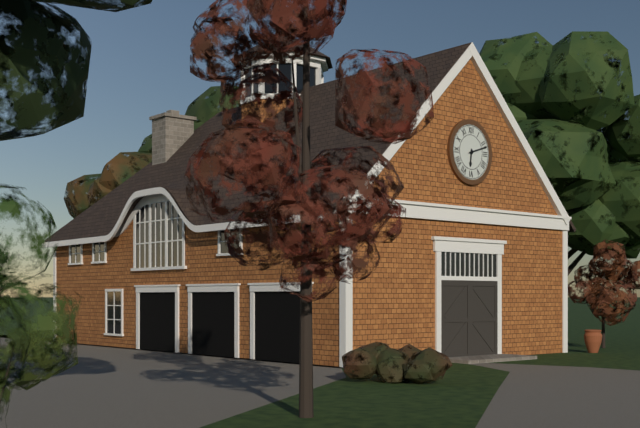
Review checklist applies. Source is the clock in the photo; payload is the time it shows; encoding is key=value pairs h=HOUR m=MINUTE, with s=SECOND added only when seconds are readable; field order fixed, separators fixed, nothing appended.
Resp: h=6 m=12
